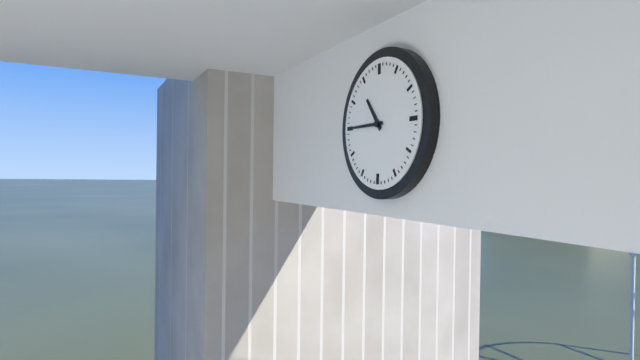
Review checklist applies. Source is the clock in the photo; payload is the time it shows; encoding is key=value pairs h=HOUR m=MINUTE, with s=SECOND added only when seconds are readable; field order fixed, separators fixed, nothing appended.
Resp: h=10 m=45
